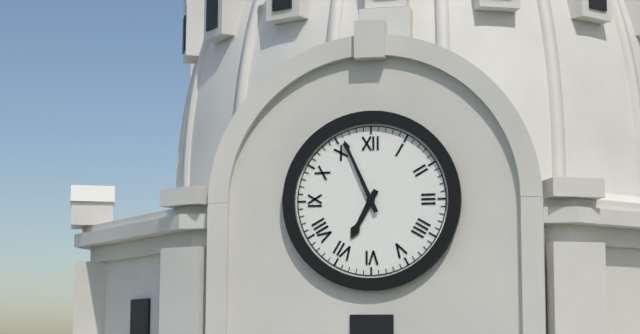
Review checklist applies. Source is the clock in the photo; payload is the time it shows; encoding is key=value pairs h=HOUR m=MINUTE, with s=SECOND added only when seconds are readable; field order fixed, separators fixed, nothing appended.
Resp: h=6 m=56
